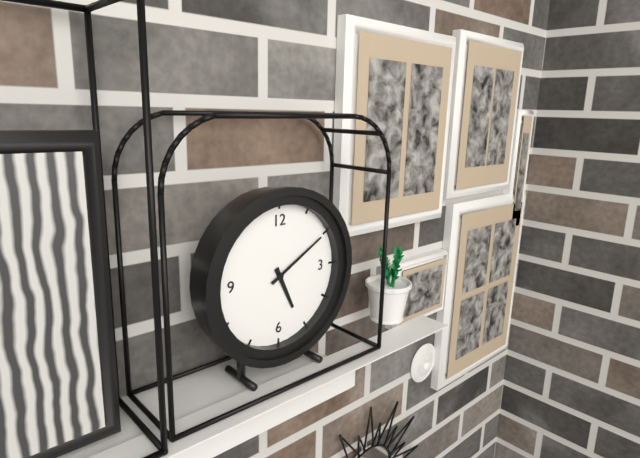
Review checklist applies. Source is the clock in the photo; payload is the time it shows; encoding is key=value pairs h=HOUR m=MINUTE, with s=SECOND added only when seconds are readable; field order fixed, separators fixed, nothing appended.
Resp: h=5 m=10
